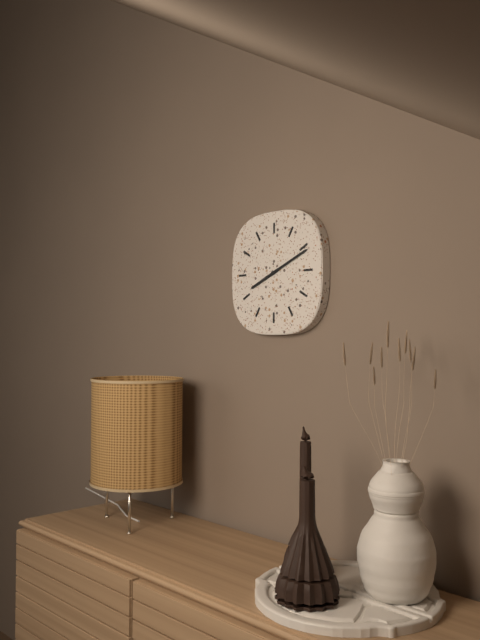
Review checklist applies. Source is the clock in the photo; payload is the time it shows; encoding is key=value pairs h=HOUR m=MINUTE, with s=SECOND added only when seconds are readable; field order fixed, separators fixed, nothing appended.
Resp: h=8 m=11
